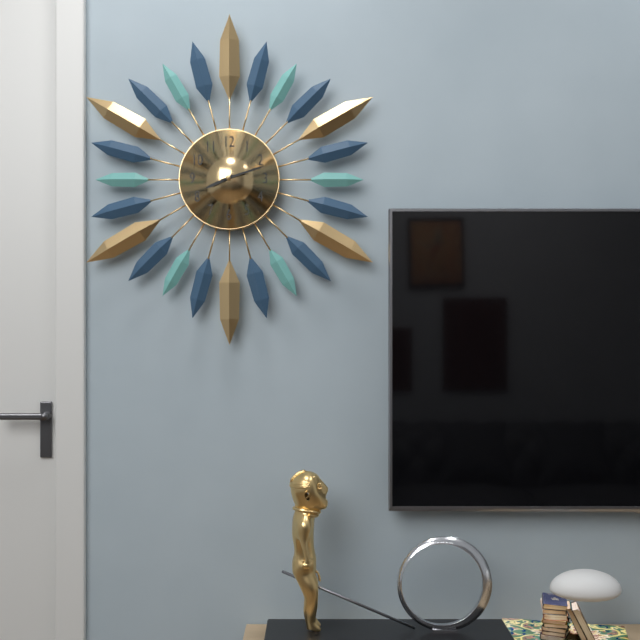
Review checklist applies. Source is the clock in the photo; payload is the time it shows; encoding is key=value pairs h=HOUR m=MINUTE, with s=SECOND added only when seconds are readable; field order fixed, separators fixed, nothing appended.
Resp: h=8 m=12
